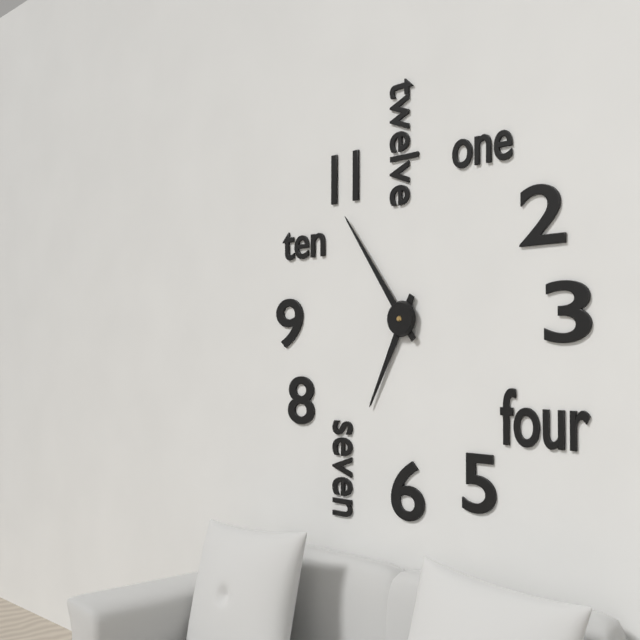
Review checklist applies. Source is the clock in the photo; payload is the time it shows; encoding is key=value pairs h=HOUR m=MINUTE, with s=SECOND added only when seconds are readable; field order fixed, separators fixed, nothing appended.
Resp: h=6 m=54
